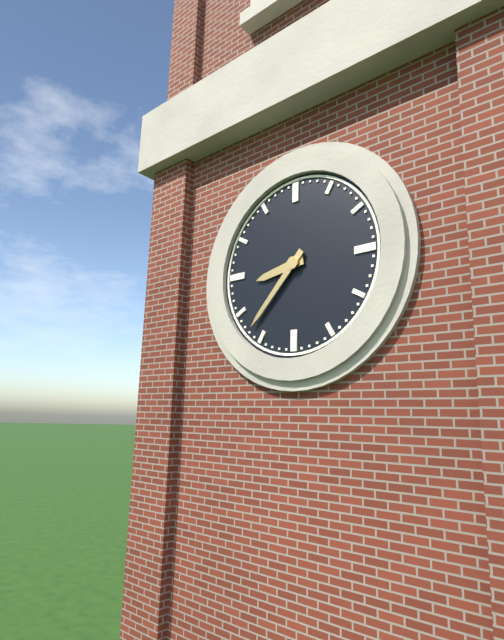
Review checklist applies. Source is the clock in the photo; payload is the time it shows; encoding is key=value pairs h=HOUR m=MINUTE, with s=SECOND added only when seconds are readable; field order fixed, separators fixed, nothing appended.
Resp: h=8 m=37
